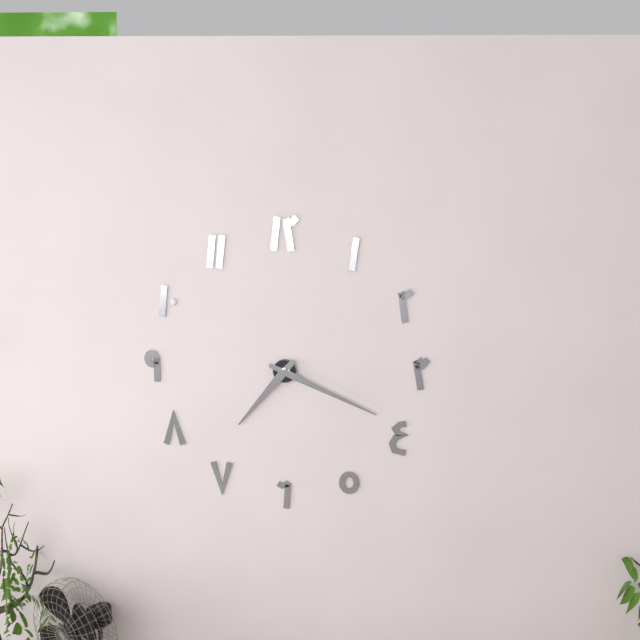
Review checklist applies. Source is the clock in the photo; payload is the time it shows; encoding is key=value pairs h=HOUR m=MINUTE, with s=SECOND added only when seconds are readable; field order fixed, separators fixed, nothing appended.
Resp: h=7 m=19
